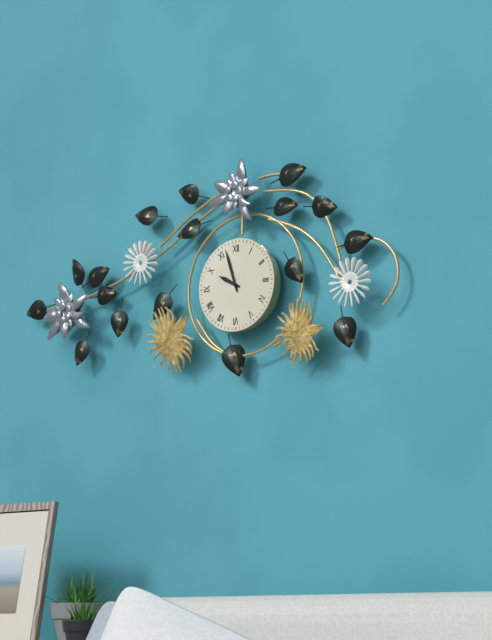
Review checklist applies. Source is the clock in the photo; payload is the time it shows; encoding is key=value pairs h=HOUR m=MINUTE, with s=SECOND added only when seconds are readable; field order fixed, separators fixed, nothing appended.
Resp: h=9 m=57
